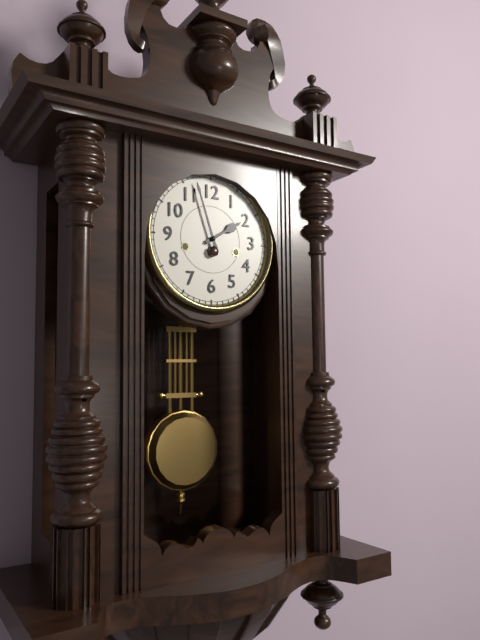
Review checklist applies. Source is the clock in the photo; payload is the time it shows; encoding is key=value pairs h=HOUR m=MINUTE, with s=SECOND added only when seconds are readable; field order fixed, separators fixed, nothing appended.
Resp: h=1 m=57
